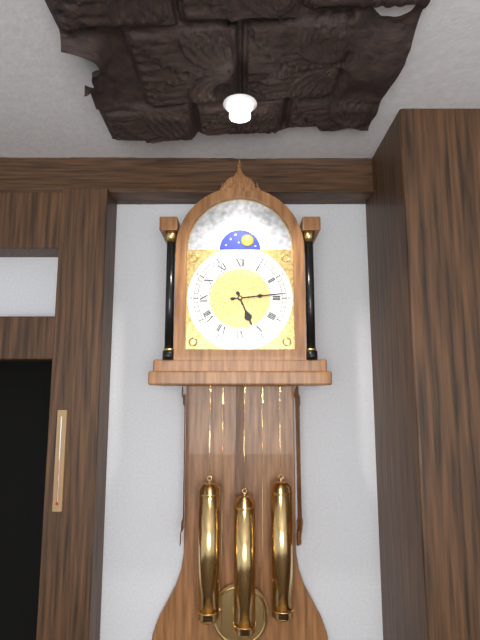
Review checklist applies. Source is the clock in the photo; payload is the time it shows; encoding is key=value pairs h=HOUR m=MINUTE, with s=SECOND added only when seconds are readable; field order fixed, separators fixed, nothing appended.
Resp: h=5 m=14
